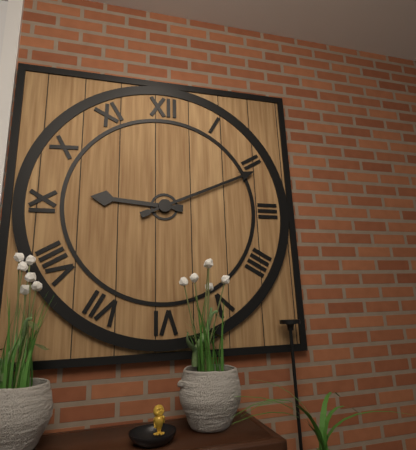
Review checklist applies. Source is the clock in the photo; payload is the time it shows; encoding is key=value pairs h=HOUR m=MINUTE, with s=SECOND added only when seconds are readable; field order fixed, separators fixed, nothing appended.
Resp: h=9 m=11
